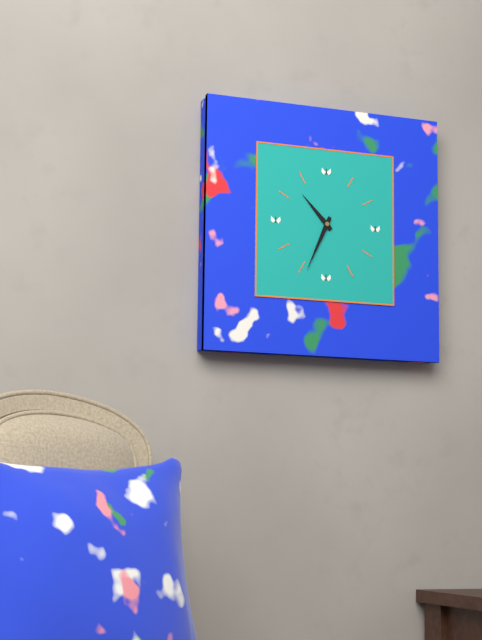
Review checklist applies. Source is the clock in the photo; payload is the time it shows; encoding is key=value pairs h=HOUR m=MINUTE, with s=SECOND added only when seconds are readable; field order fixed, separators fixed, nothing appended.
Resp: h=10 m=34
